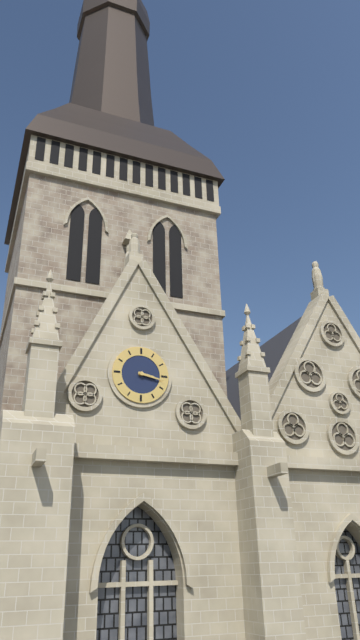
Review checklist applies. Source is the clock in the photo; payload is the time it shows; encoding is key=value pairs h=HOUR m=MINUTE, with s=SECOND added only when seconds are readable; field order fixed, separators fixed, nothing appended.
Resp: h=3 m=17
